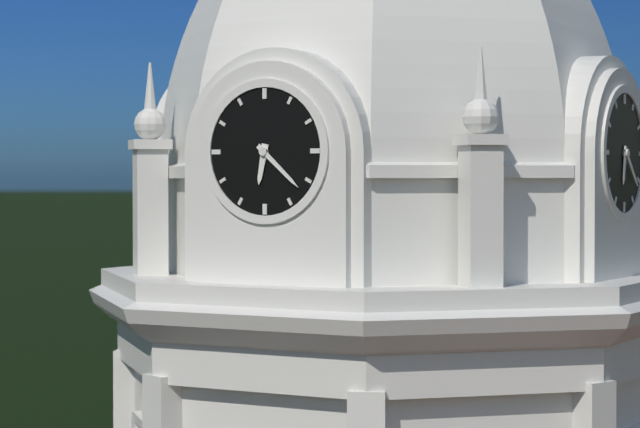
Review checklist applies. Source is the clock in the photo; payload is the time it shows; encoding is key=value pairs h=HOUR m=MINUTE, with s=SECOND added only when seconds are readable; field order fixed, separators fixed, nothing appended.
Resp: h=6 m=22
